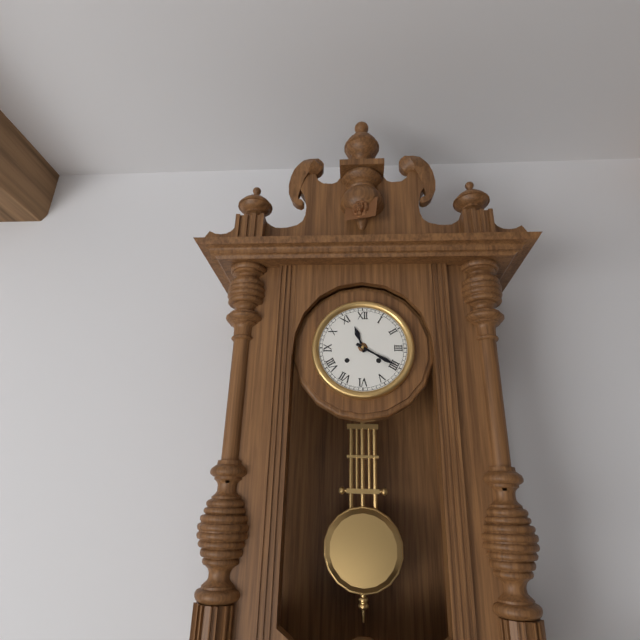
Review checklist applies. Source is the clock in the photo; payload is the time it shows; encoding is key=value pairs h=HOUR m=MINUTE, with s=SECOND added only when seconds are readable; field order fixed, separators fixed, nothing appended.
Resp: h=11 m=20
